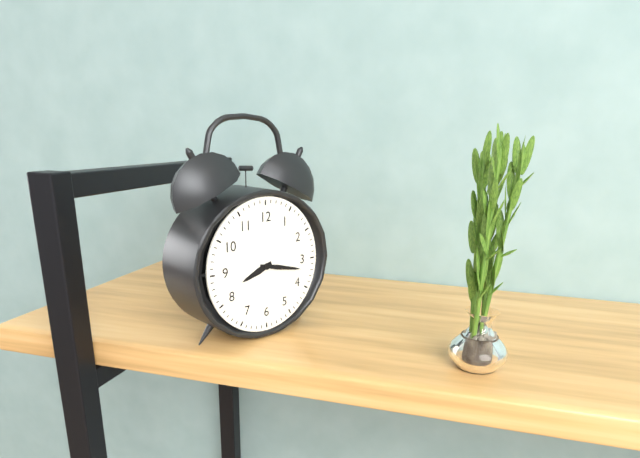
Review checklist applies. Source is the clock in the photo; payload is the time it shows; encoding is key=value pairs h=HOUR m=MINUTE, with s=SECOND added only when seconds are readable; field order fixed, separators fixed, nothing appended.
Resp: h=8 m=17
